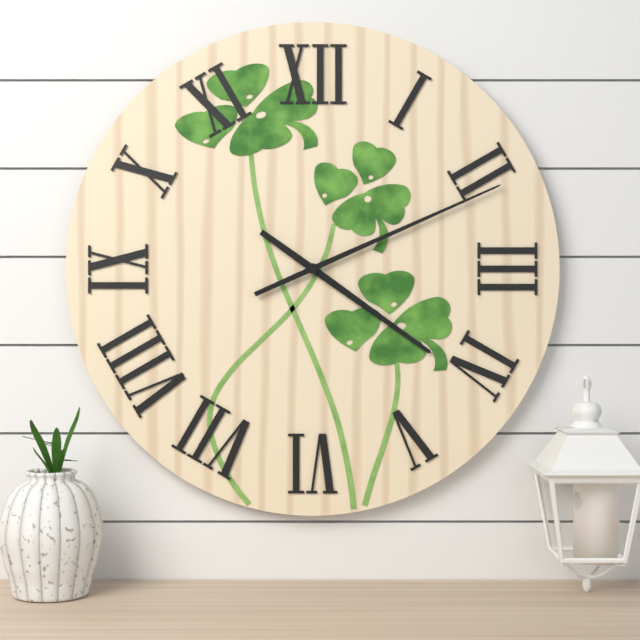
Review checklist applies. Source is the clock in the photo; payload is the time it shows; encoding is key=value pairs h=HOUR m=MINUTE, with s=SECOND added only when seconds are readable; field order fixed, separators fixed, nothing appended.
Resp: h=4 m=11
